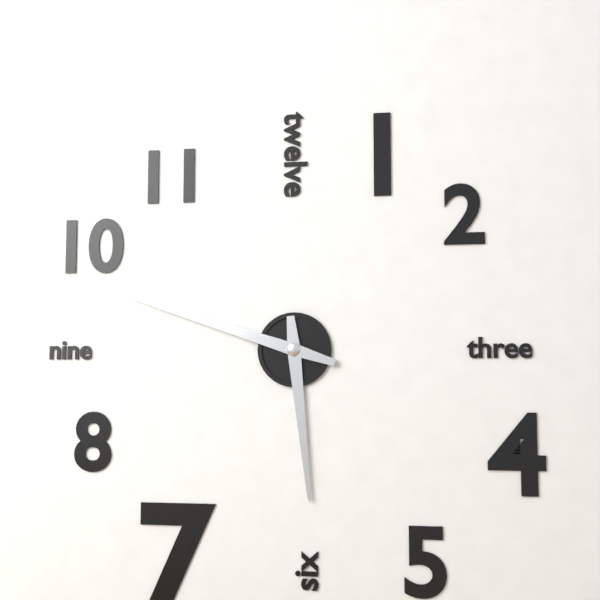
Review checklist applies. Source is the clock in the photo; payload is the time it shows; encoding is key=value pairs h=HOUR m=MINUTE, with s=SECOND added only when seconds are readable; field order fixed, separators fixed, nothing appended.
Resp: h=5 m=48
